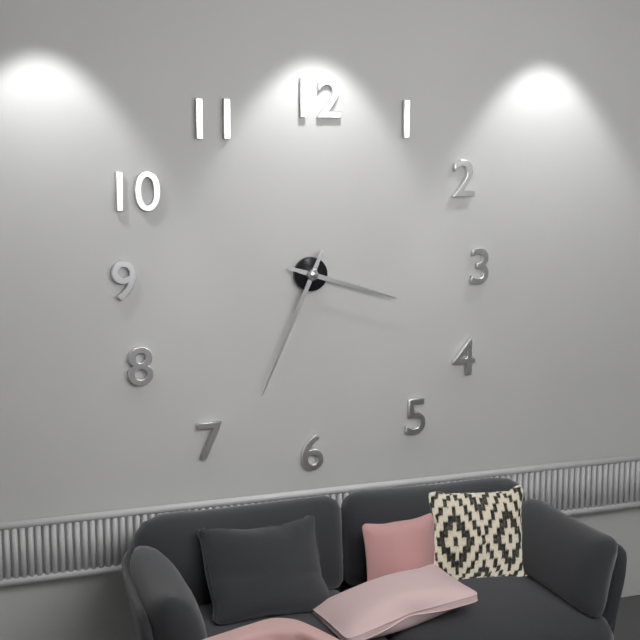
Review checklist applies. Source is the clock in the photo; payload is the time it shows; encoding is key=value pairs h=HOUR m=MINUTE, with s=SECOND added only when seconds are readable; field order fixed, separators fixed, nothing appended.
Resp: h=3 m=34
